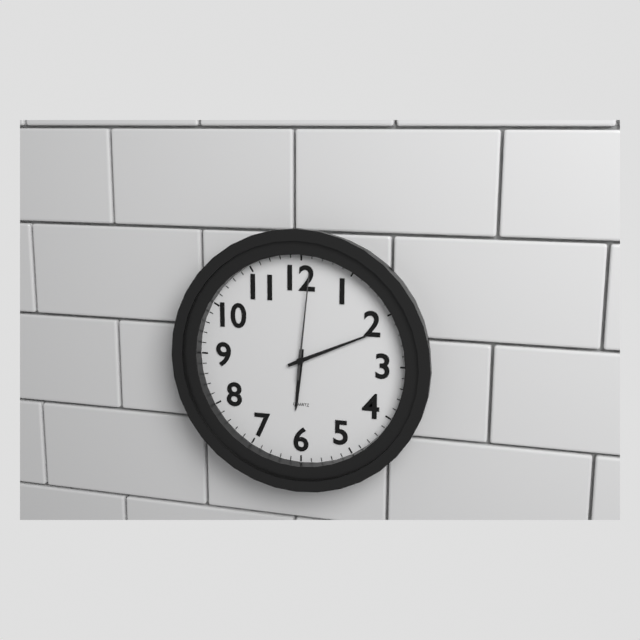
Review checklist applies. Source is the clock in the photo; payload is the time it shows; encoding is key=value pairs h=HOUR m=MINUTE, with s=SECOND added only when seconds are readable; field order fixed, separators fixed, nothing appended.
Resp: h=6 m=11 s=1
